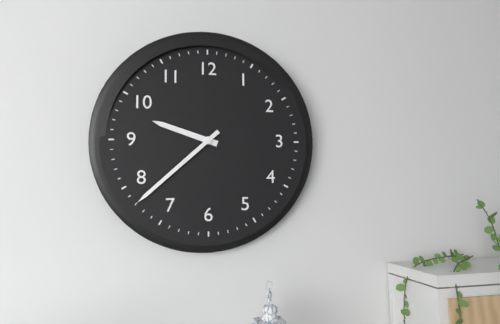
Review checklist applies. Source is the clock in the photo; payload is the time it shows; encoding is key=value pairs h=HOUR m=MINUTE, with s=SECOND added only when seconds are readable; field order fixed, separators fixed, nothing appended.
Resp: h=9 m=38
